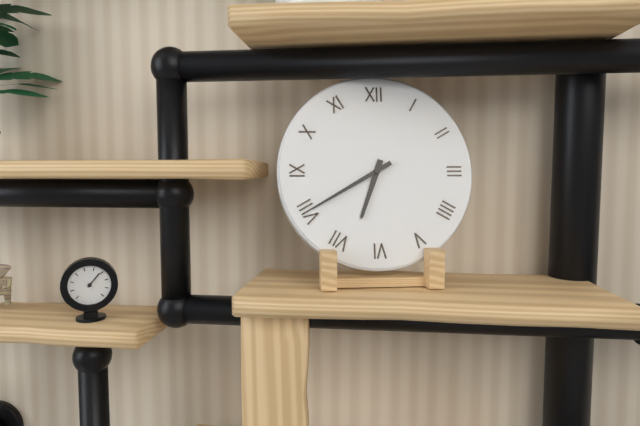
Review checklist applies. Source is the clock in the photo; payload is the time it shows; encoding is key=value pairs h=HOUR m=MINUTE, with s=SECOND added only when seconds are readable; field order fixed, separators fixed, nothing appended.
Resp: h=6 m=40
